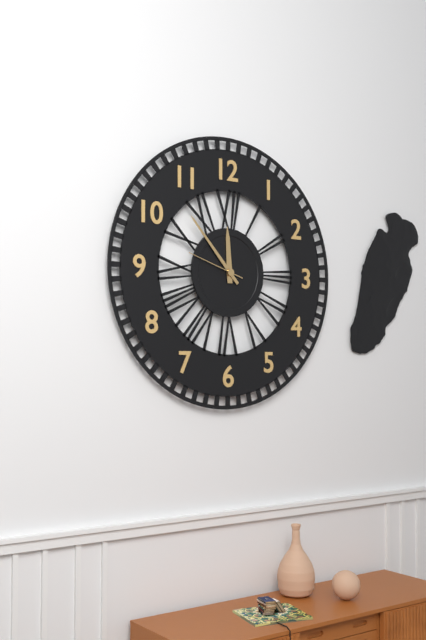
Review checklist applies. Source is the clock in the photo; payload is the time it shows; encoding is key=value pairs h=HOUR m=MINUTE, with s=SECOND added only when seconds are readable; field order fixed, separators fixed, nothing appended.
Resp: h=11 m=53 s=48
